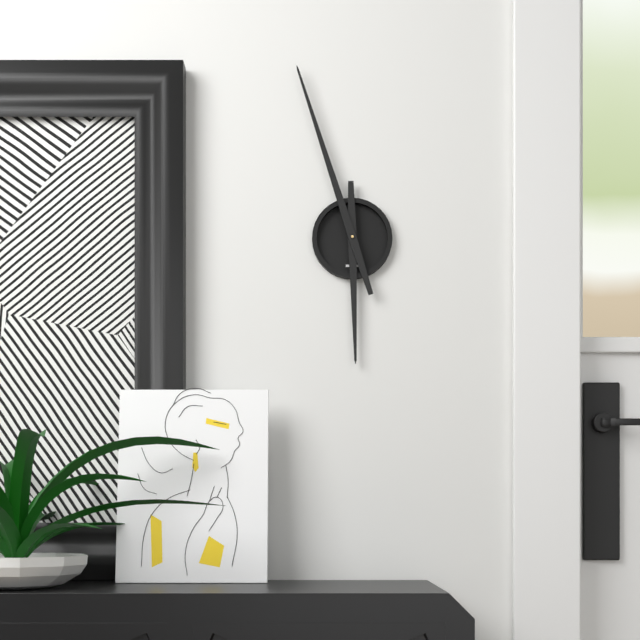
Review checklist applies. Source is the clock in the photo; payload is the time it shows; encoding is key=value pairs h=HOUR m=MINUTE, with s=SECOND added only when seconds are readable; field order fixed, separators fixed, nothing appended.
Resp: h=5 m=57
